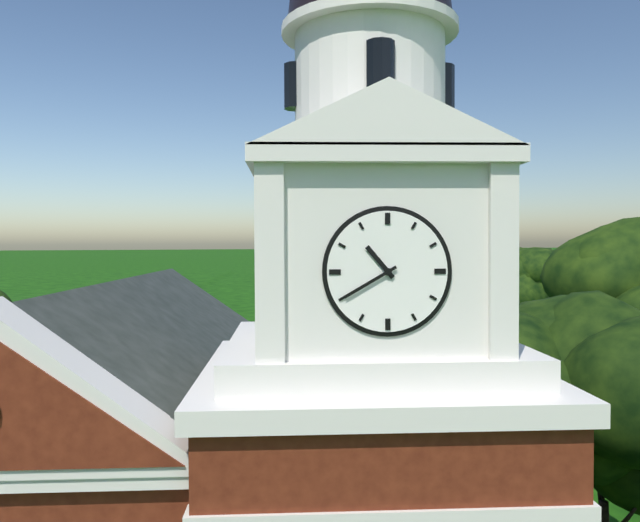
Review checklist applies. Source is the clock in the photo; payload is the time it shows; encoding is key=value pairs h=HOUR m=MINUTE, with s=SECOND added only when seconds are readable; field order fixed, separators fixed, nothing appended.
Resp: h=10 m=40
